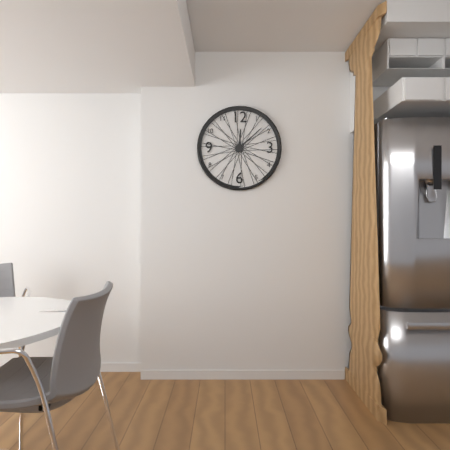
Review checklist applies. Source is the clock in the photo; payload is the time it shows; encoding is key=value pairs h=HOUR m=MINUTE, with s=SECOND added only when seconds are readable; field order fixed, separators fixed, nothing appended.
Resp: h=12 m=8
